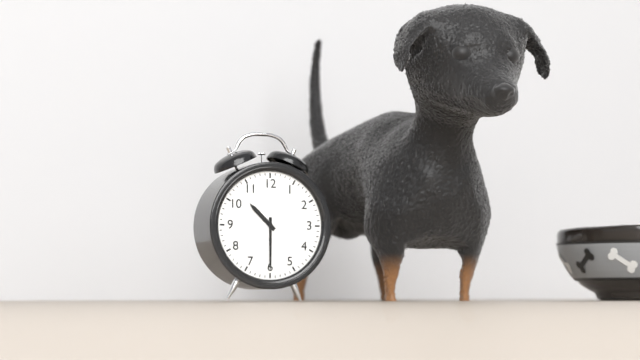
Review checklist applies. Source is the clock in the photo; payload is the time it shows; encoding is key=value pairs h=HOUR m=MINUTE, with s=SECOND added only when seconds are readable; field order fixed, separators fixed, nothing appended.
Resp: h=10 m=30
